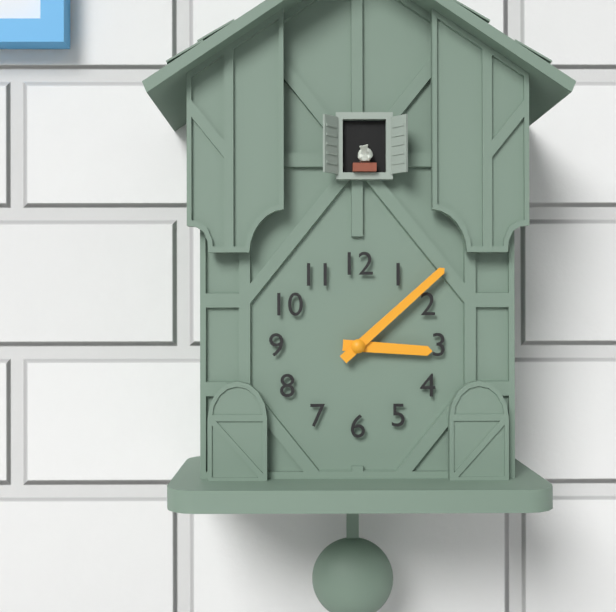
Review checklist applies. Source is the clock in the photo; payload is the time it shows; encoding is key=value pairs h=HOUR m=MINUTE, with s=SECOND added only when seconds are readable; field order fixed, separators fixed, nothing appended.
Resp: h=3 m=8
